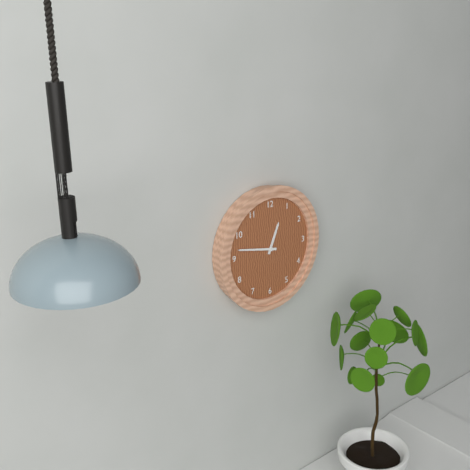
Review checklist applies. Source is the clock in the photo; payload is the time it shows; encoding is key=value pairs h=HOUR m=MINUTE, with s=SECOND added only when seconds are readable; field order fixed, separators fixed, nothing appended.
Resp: h=12 m=47
